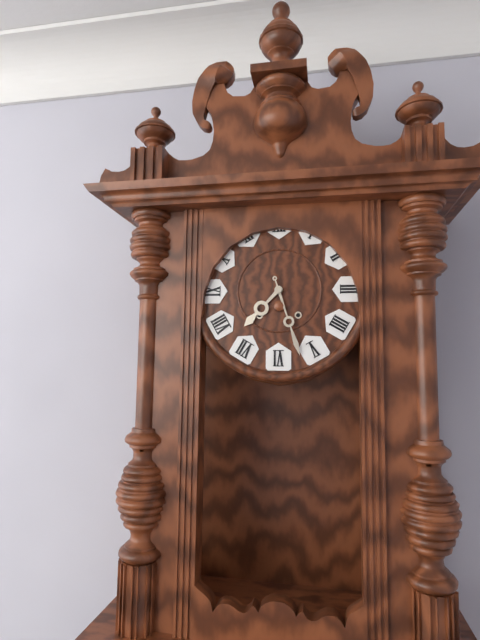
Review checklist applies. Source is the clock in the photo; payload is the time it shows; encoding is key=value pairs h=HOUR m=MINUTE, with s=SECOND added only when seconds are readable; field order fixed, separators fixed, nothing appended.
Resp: h=7 m=27
